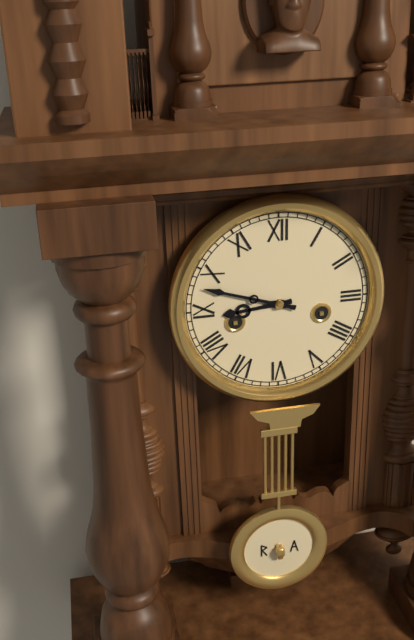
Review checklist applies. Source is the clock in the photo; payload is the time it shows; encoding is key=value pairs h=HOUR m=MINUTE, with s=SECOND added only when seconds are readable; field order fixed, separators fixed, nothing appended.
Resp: h=8 m=48
